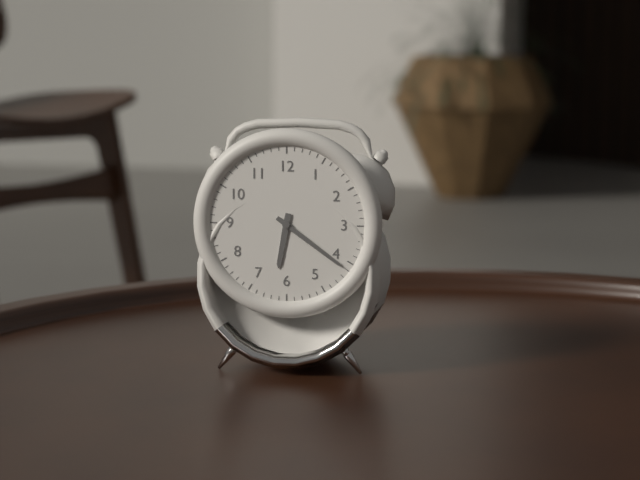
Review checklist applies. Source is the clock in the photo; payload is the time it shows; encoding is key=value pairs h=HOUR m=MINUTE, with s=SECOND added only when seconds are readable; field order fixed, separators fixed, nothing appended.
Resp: h=6 m=21
